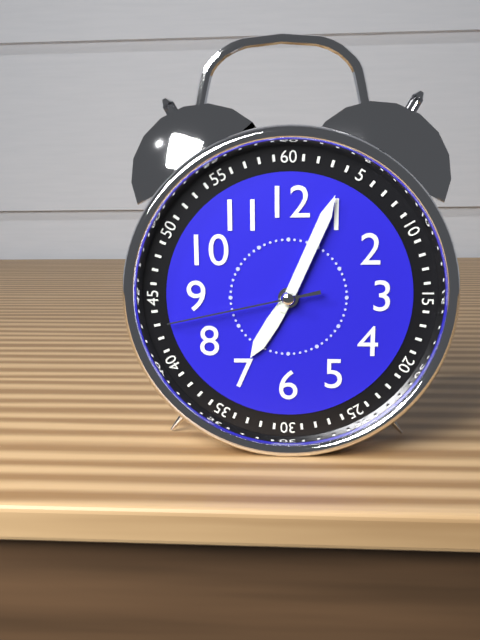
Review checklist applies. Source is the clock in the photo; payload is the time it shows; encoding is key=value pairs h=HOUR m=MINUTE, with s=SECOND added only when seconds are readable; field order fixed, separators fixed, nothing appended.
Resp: h=7 m=4 s=43
